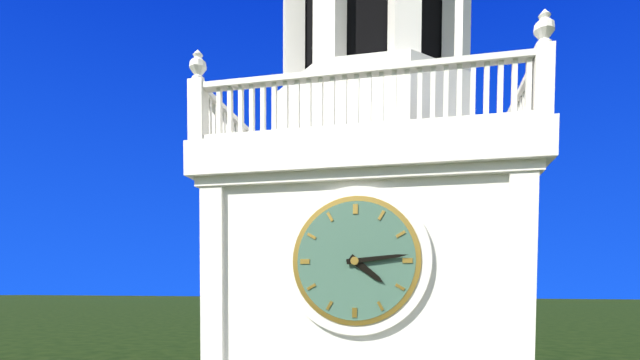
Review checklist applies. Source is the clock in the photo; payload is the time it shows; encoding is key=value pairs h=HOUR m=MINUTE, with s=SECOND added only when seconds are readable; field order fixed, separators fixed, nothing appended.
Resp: h=4 m=14
